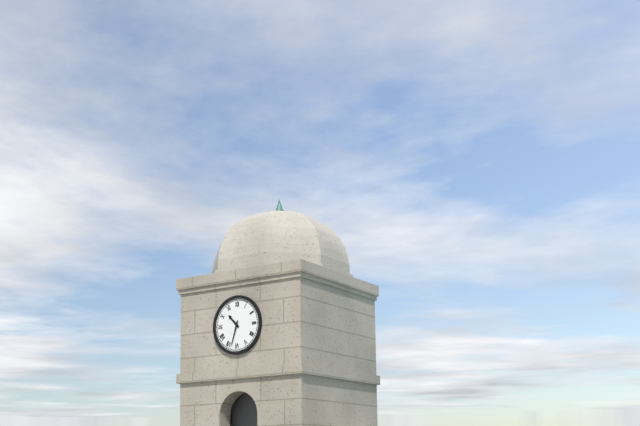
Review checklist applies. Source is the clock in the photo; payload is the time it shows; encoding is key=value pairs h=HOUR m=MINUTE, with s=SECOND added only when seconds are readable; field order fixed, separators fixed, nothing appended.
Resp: h=10 m=33
